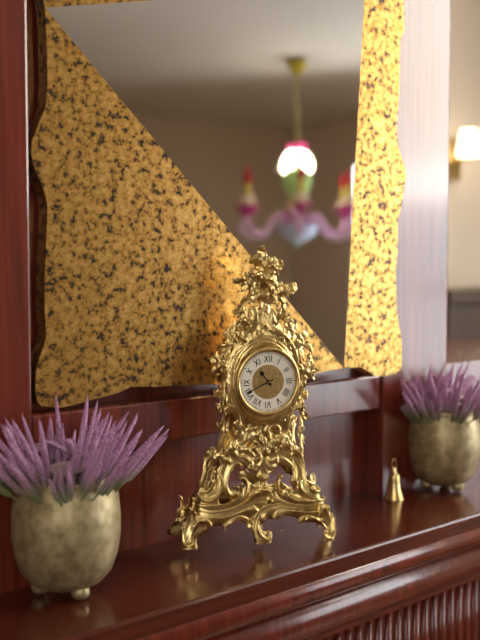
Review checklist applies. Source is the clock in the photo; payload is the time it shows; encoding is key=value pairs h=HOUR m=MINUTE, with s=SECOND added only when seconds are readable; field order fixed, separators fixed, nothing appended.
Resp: h=10 m=41
